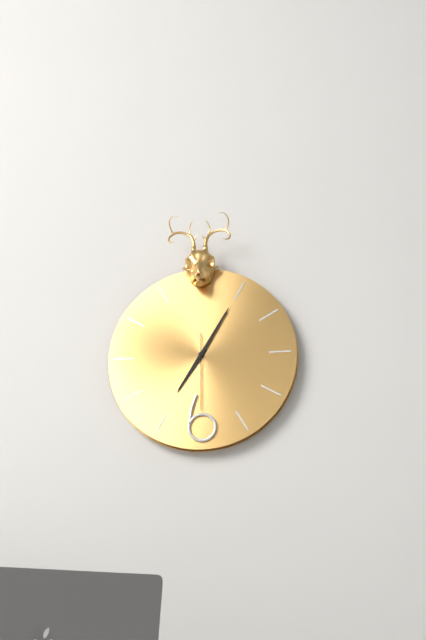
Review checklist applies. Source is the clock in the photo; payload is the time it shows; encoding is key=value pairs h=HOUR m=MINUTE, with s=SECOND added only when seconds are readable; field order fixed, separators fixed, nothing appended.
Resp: h=7 m=5 s=30
